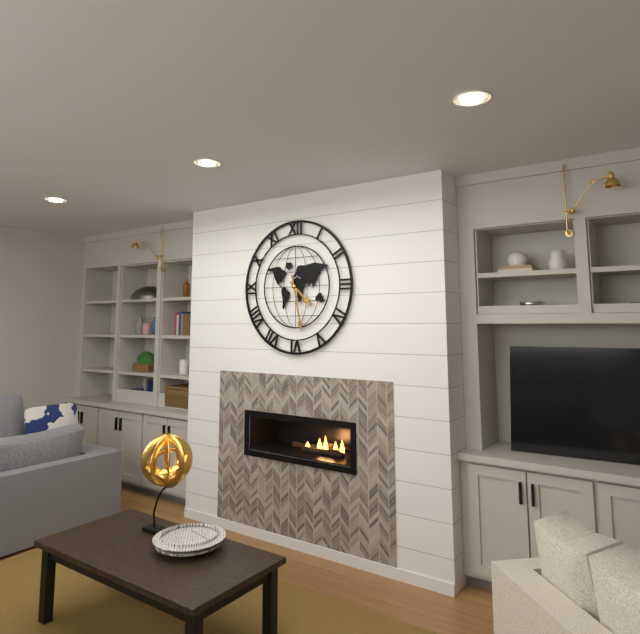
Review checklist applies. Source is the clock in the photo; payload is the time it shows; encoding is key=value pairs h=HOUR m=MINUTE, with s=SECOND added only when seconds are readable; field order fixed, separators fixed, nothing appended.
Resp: h=4 m=28
